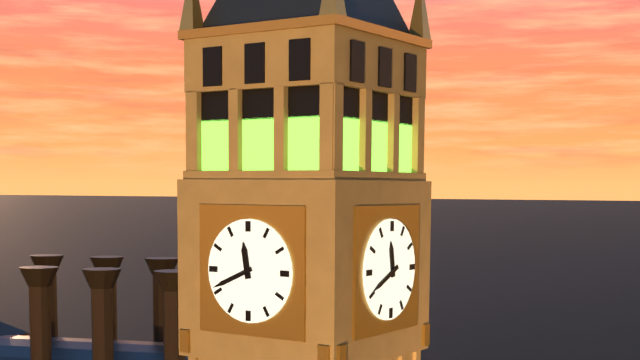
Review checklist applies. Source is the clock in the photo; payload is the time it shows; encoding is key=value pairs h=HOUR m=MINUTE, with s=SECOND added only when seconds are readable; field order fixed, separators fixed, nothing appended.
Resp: h=11 m=41
